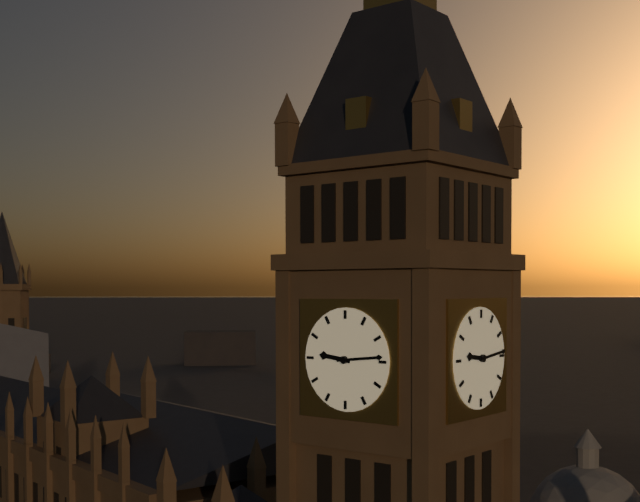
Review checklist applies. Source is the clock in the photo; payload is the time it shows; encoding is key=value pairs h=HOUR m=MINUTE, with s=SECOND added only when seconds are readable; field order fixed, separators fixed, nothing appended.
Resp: h=9 m=14
